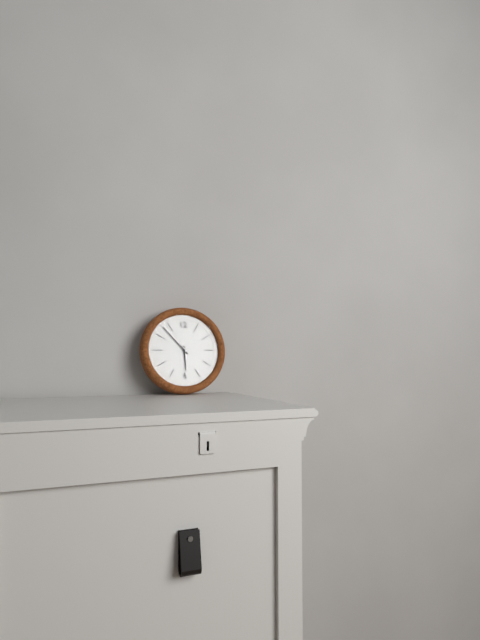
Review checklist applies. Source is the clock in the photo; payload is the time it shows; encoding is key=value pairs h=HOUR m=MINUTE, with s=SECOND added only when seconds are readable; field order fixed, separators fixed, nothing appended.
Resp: h=5 m=53
